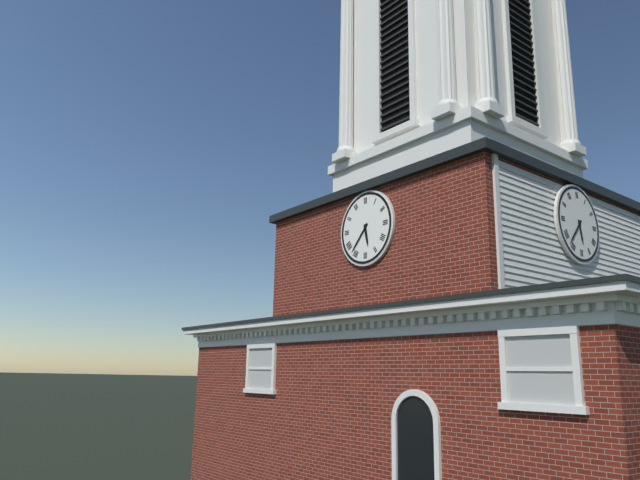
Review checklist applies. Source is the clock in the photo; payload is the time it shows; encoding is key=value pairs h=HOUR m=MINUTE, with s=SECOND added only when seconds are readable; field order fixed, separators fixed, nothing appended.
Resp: h=5 m=37
